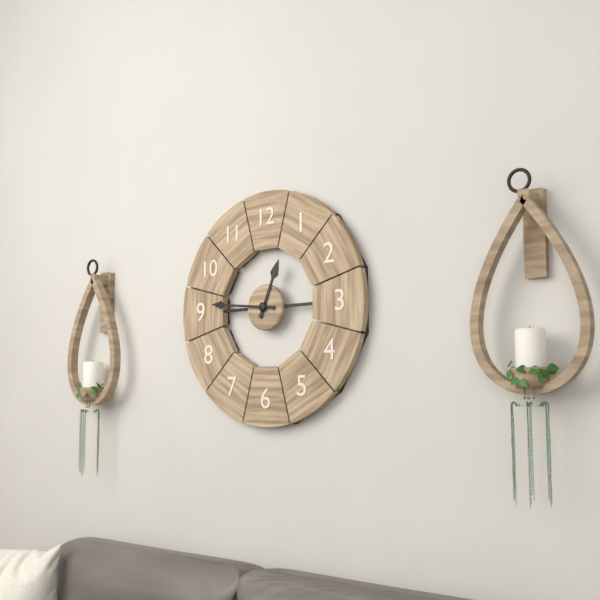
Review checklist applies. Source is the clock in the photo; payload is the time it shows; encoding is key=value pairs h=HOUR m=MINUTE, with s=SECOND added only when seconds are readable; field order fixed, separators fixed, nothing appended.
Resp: h=12 m=46
